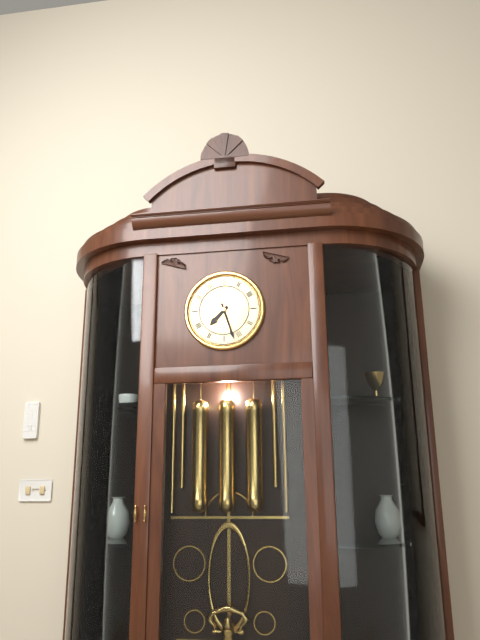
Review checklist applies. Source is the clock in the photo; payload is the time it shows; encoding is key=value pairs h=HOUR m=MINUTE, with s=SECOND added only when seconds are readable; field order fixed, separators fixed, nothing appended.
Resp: h=7 m=27
